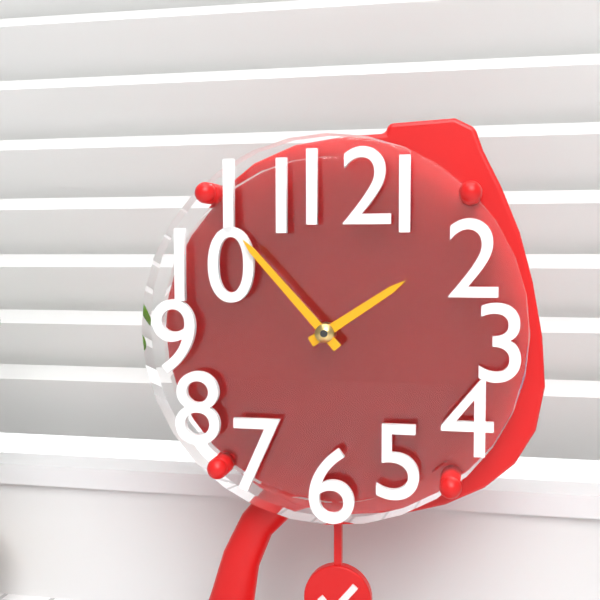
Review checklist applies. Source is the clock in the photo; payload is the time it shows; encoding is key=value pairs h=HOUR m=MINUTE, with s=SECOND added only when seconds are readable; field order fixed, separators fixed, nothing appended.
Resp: h=1 m=53
